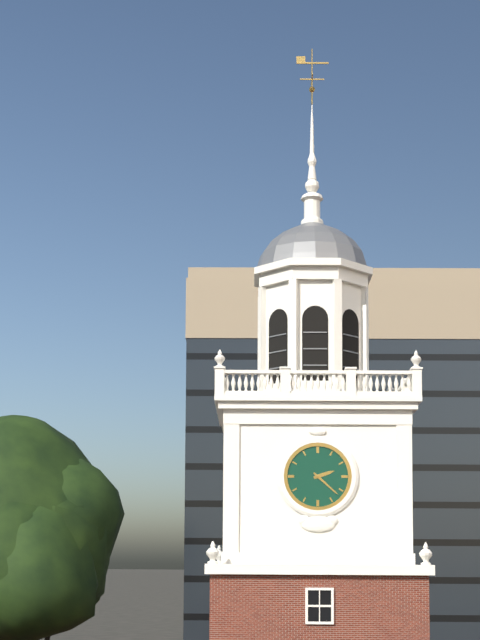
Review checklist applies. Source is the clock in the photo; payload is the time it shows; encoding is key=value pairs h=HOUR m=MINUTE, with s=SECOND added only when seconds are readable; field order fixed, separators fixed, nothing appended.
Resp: h=2 m=22
